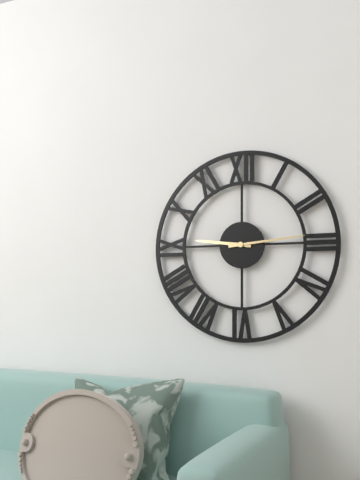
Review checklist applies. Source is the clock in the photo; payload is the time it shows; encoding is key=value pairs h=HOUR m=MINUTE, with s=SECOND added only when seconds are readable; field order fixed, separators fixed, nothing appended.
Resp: h=9 m=14
